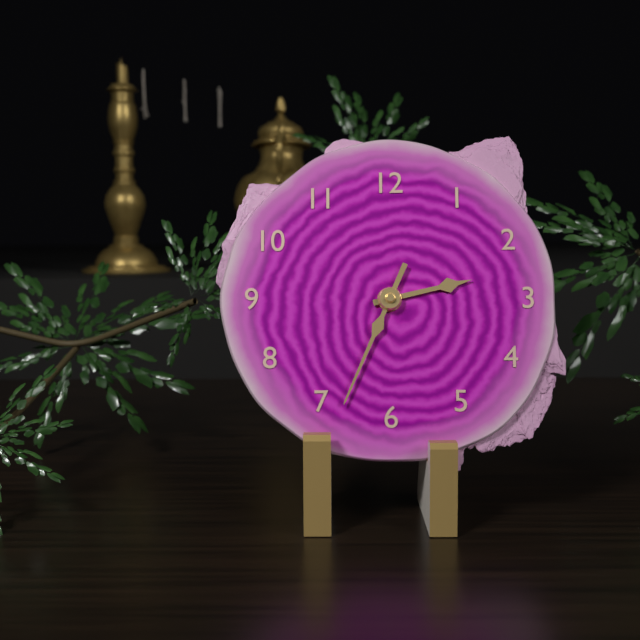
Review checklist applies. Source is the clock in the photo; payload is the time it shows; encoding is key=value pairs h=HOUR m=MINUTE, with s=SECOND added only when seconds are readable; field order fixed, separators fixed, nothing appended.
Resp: h=2 m=34
